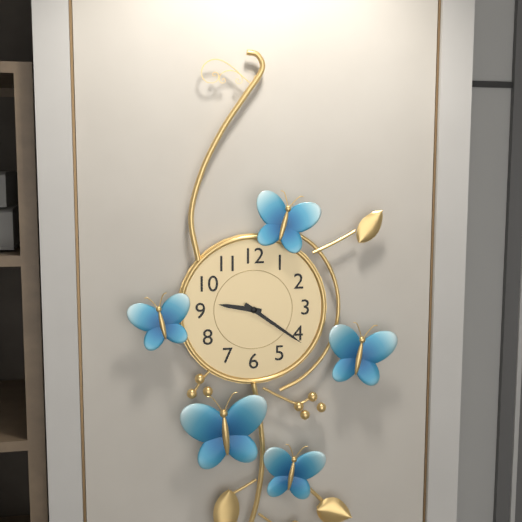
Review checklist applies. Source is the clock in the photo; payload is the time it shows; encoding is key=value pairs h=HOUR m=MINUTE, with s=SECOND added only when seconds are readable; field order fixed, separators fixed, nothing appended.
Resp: h=9 m=21
